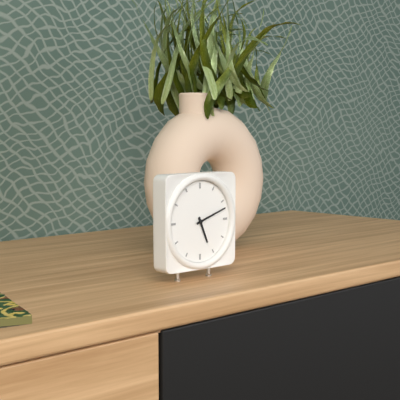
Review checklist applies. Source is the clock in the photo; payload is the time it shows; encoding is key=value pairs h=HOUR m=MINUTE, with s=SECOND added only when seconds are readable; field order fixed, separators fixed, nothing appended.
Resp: h=5 m=12
